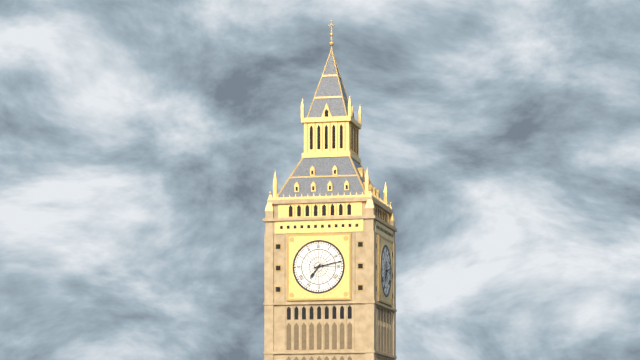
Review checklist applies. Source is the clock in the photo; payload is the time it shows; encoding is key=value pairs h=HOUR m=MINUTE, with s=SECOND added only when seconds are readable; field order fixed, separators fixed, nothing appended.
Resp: h=7 m=13
